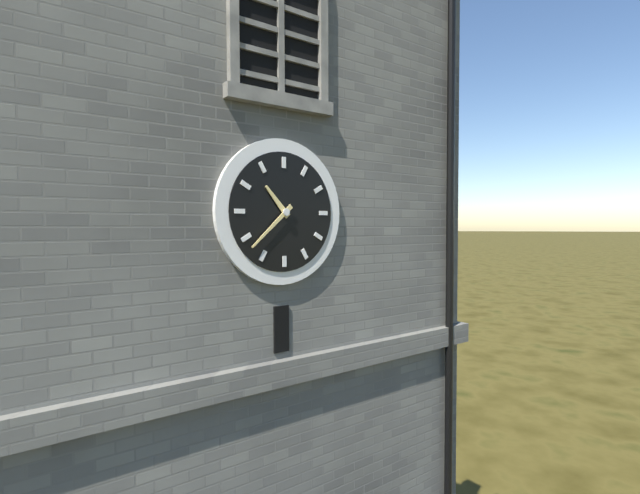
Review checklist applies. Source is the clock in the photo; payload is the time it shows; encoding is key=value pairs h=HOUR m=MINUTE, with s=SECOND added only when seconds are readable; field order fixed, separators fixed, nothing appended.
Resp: h=10 m=38
